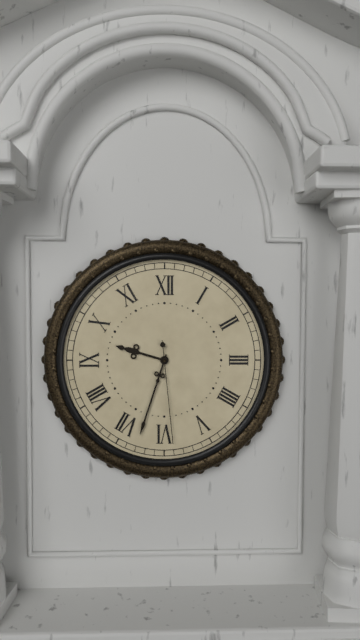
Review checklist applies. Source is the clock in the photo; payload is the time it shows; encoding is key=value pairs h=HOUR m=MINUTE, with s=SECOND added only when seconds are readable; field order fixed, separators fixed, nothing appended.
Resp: h=9 m=33 s=29
